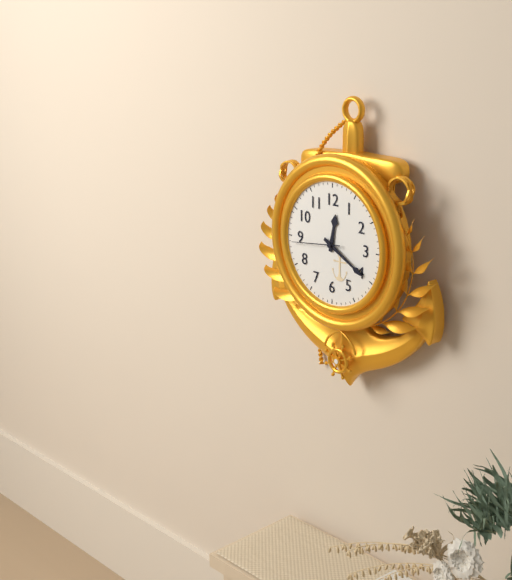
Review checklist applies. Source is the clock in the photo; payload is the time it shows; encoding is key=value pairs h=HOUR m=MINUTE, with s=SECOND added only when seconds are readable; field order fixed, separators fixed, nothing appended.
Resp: h=12 m=20
